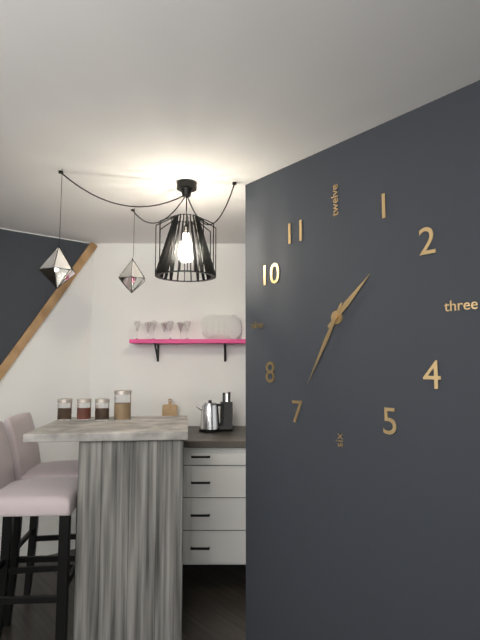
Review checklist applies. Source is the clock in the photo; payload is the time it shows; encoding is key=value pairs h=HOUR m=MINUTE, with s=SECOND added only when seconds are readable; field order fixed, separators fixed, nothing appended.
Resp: h=1 m=35
